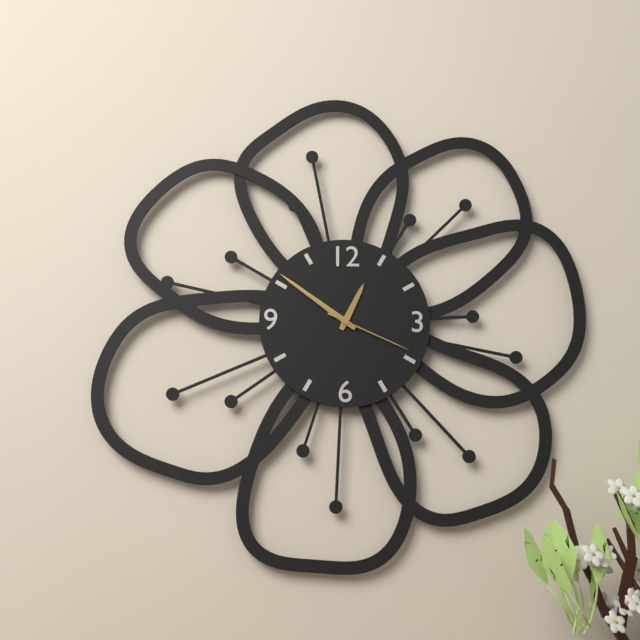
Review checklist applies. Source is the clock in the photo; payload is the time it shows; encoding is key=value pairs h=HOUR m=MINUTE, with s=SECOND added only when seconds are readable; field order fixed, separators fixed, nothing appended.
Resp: h=12 m=51 s=19
